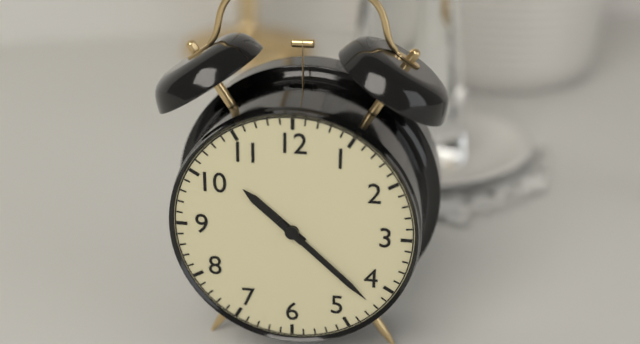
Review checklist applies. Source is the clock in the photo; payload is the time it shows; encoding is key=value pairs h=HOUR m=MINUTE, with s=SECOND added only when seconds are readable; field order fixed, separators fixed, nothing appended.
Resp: h=10 m=22
